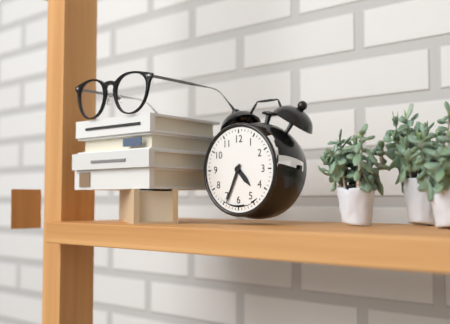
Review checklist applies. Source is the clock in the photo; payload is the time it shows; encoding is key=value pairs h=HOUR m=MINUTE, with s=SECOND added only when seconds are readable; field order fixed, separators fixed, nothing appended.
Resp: h=4 m=34
